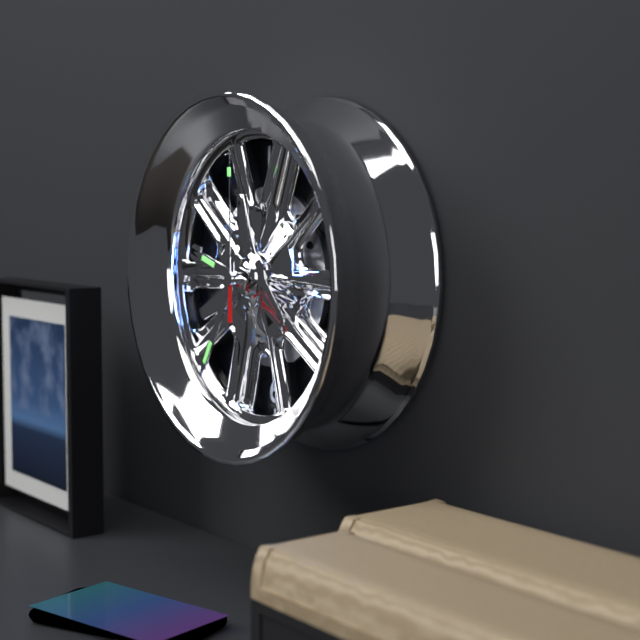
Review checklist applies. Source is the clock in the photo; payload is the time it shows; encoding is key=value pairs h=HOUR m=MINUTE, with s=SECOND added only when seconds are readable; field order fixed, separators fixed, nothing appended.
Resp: h=9 m=35 s=0
